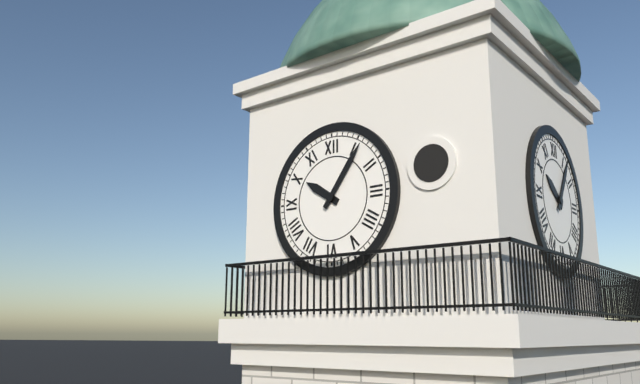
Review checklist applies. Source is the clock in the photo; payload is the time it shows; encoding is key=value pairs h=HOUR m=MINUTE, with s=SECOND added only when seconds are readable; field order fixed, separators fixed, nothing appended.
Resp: h=10 m=6
